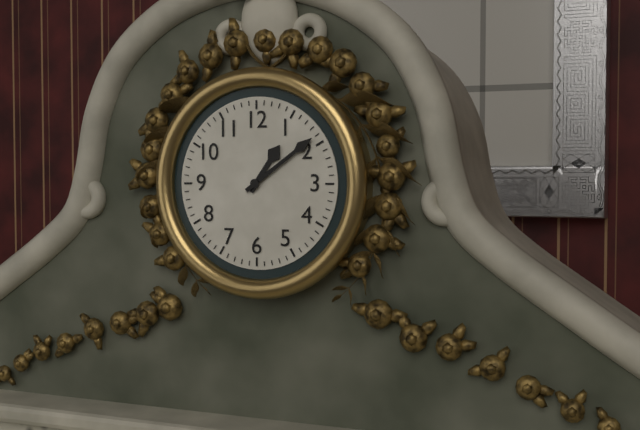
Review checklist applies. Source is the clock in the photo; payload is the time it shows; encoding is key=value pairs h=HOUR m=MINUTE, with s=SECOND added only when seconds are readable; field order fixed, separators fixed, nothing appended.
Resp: h=1 m=9
